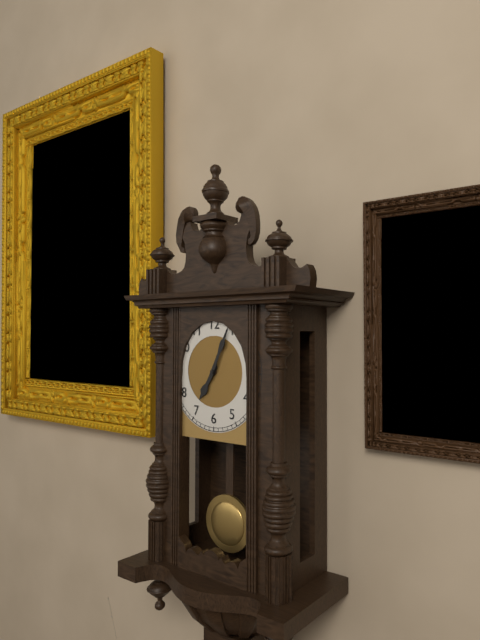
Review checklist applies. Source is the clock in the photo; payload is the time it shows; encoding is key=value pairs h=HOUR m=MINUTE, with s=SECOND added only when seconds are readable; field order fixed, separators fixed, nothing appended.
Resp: h=7 m=4
